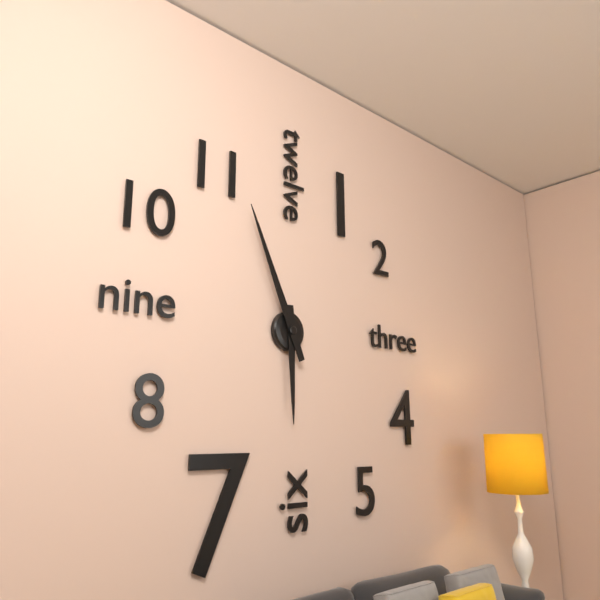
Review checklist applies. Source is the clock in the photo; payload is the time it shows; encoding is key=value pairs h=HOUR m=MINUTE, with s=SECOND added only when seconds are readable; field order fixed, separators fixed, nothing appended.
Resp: h=5 m=56
